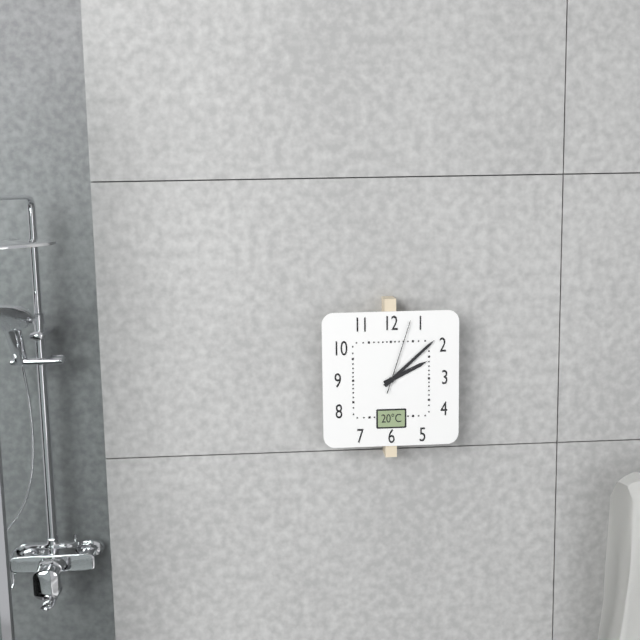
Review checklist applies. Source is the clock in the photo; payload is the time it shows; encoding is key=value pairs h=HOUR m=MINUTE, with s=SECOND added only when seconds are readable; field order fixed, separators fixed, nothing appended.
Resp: h=2 m=8 s=3
